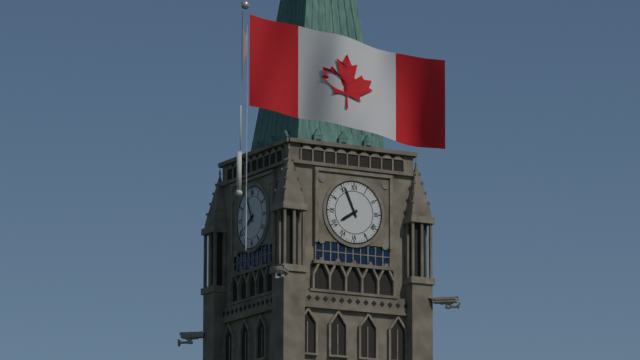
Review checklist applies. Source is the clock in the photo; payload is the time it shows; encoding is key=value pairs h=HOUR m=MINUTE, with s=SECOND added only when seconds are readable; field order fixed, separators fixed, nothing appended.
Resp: h=7 m=56
